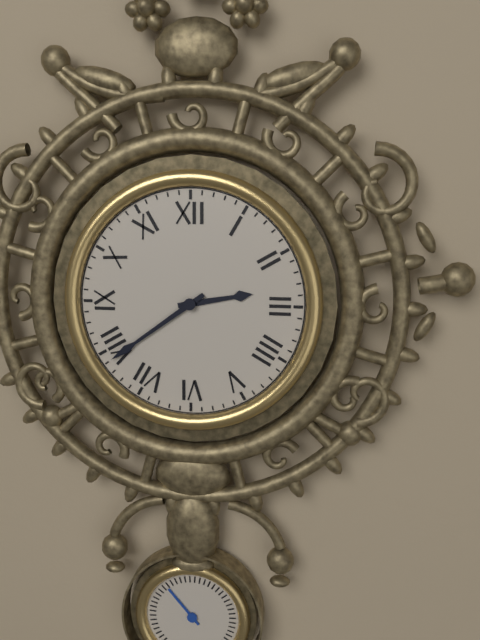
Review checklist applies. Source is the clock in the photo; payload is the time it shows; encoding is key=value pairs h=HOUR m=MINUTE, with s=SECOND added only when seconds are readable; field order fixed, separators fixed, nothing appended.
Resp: h=2 m=39
